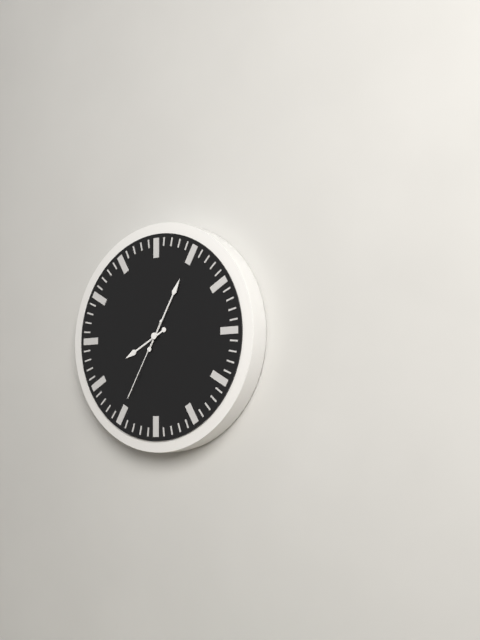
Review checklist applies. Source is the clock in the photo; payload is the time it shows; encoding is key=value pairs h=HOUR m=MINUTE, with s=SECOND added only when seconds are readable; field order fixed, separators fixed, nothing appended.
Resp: h=8 m=5 s=35
